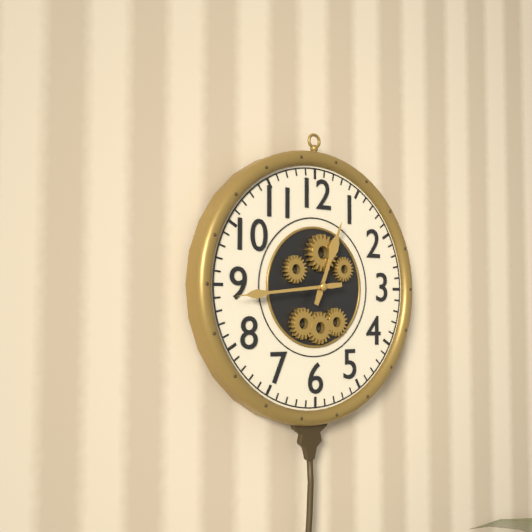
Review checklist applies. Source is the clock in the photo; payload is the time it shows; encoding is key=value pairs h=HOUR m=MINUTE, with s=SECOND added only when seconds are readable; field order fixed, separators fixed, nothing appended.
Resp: h=12 m=44
